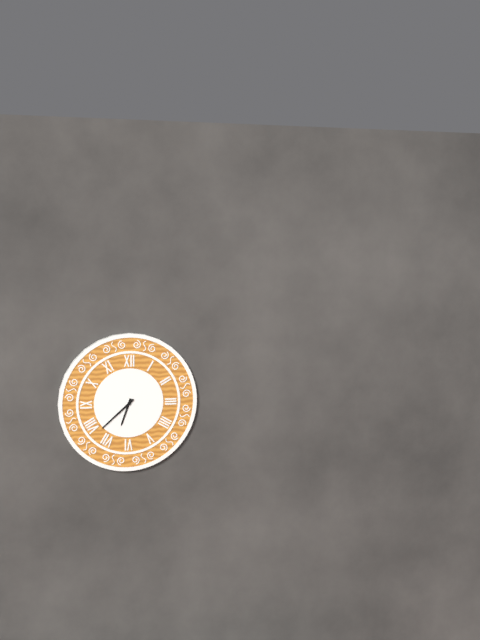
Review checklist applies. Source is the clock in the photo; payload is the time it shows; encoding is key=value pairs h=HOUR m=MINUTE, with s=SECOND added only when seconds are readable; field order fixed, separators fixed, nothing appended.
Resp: h=6 m=38
